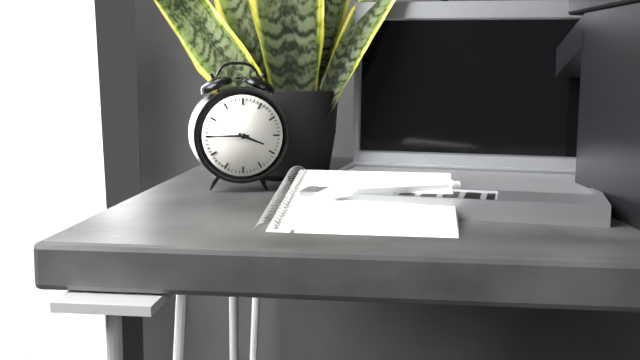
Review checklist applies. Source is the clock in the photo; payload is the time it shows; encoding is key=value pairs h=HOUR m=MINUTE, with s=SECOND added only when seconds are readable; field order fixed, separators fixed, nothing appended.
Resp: h=3 m=45
